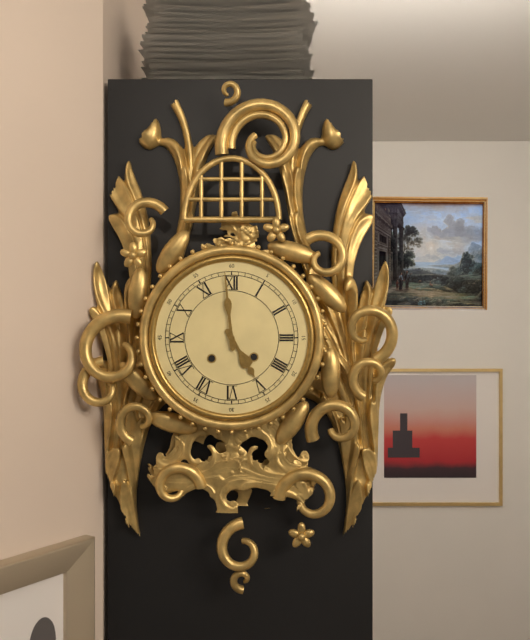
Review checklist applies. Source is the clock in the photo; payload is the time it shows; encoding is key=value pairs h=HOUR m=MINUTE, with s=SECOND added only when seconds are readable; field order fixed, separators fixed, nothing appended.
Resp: h=4 m=59
